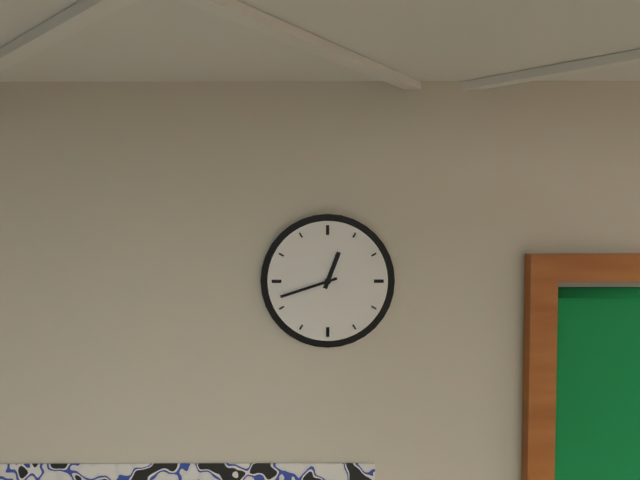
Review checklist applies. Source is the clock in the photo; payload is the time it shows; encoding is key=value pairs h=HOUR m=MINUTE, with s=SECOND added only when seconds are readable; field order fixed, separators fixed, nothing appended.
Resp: h=12 m=42
